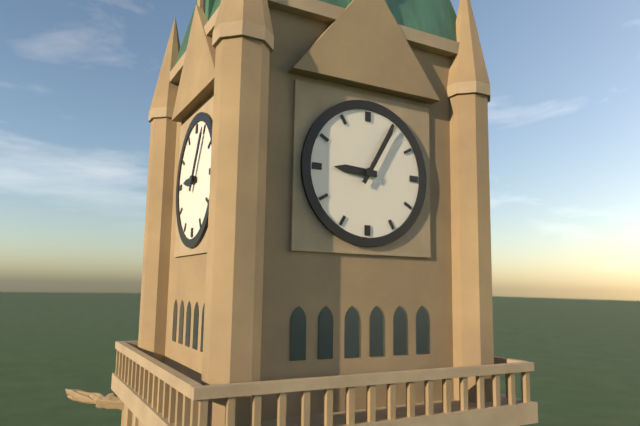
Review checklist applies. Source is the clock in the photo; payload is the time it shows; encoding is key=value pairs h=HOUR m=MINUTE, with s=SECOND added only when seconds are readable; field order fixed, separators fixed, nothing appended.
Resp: h=9 m=5
